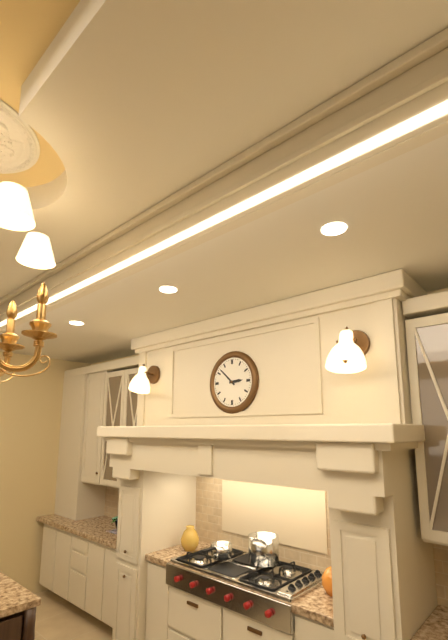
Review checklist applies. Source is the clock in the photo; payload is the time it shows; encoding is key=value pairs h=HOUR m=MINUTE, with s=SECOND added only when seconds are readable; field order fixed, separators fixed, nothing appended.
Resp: h=2 m=52
